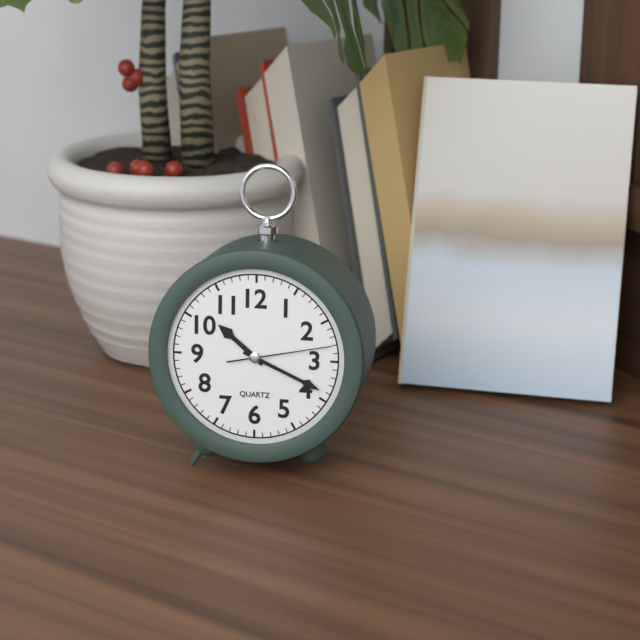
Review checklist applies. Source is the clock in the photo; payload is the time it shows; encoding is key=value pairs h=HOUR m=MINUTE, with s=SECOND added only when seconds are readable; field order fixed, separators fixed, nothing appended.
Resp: h=10 m=19 s=13
